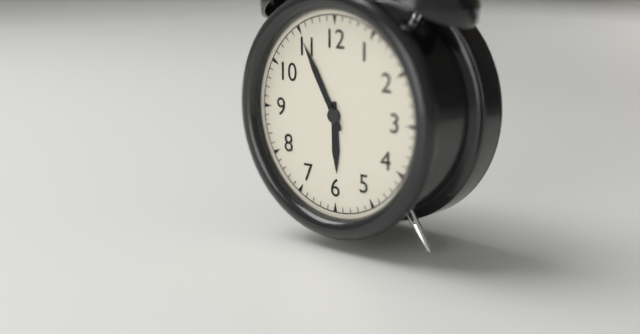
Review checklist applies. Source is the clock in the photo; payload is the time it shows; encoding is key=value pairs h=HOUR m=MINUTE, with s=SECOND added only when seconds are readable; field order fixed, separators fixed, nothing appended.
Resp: h=5 m=55
